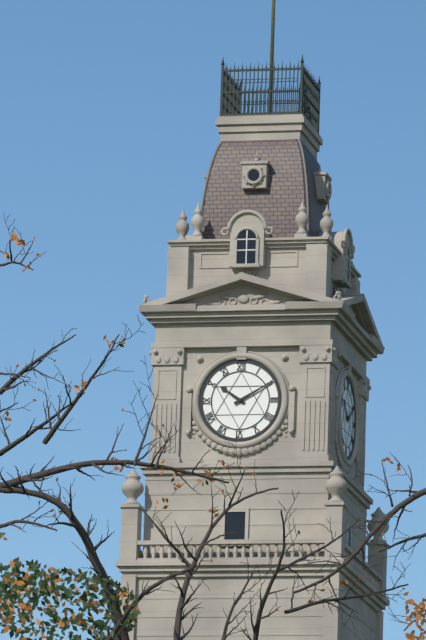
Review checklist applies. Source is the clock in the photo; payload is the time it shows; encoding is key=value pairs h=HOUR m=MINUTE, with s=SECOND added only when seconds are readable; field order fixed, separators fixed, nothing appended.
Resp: h=10 m=10
